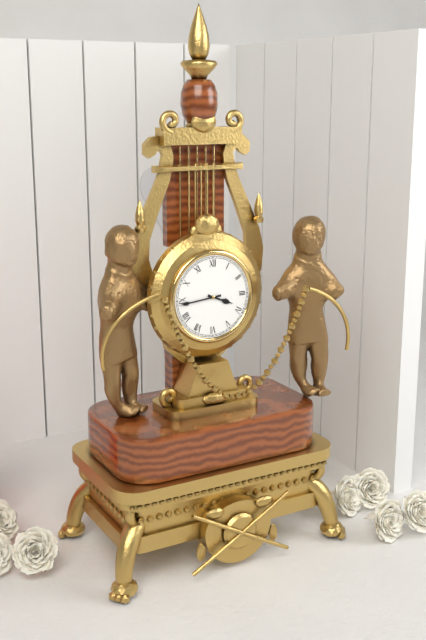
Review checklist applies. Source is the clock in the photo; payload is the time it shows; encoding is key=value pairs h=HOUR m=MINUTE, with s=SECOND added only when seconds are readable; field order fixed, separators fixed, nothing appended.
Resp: h=3 m=44
